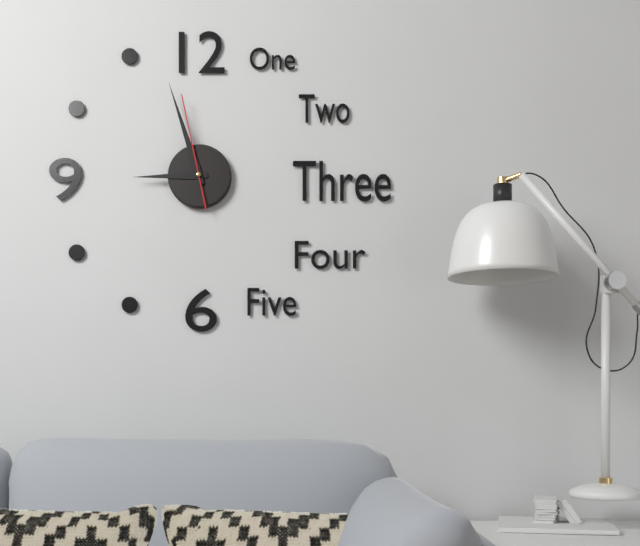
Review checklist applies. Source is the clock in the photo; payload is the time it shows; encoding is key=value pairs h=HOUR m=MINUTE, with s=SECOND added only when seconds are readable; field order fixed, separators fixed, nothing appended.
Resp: h=8 m=57 s=58
